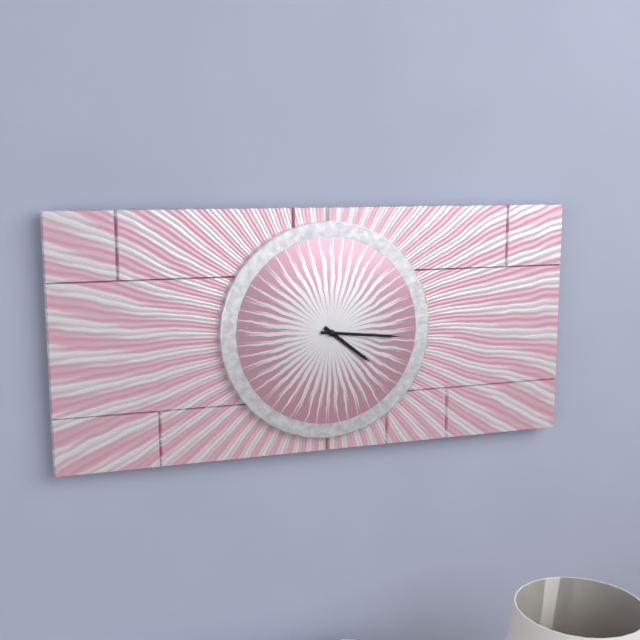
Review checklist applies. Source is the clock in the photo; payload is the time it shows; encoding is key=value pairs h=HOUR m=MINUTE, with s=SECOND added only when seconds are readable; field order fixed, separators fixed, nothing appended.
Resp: h=4 m=16
